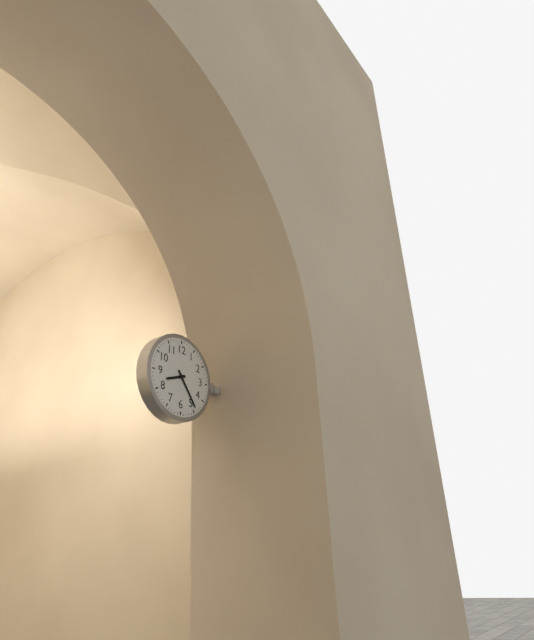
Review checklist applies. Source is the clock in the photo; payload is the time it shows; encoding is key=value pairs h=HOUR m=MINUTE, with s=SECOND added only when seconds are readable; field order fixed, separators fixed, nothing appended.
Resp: h=8 m=24
